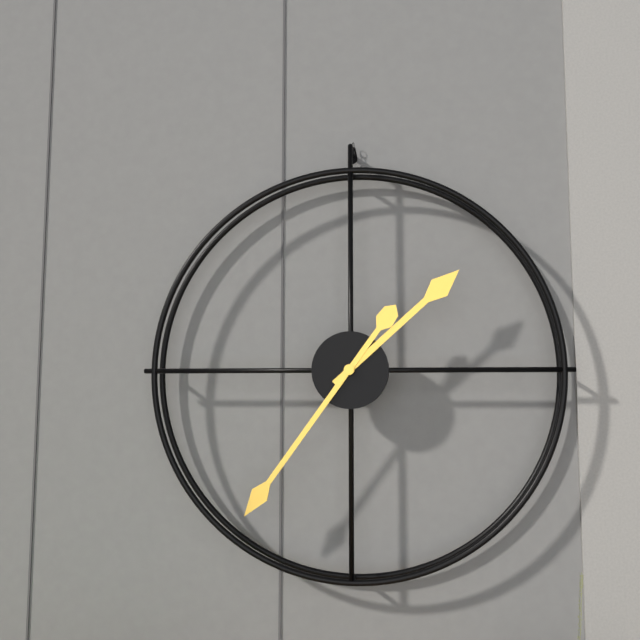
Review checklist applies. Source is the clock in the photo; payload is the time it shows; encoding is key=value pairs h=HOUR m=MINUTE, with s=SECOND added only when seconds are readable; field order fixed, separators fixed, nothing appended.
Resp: h=1 m=36
